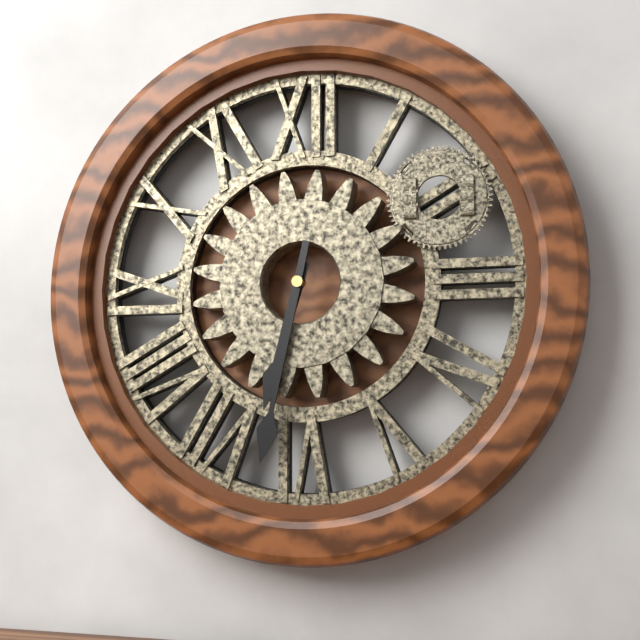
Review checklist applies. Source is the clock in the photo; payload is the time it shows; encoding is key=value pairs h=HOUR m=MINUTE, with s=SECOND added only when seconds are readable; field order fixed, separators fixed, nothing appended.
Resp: h=6 m=32
